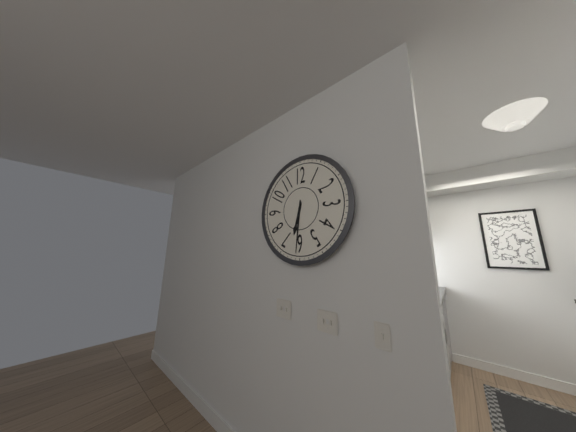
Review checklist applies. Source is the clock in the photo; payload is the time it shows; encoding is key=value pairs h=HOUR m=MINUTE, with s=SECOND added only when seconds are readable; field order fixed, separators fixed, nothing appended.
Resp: h=6 m=31
